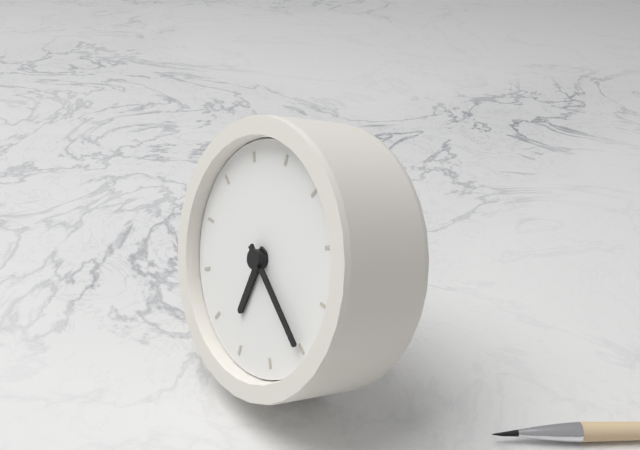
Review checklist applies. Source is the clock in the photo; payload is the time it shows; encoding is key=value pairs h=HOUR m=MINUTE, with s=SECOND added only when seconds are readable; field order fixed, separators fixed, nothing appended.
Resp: h=6 m=20
